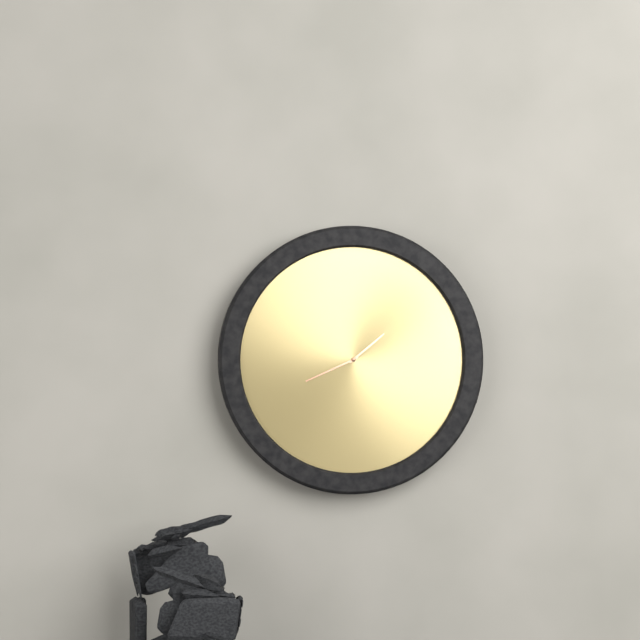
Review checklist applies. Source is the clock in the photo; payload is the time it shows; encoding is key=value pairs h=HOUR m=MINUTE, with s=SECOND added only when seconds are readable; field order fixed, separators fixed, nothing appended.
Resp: h=1 m=41
